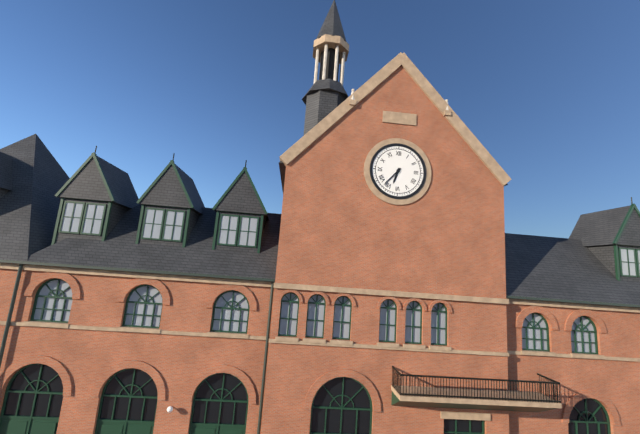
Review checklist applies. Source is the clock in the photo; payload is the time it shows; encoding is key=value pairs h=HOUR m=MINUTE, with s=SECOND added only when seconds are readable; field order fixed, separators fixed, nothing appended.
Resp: h=6 m=37
